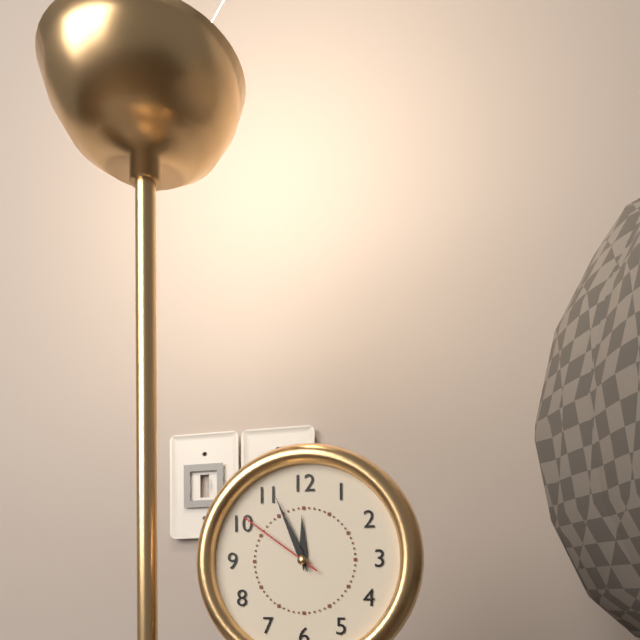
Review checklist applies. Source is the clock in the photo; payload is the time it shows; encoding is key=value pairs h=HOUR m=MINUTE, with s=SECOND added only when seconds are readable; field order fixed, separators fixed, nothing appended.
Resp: h=11 m=56 s=51
